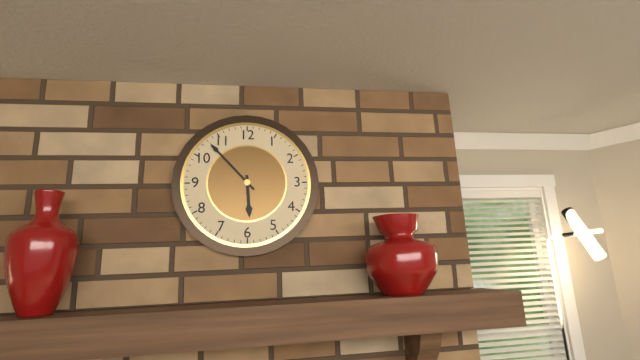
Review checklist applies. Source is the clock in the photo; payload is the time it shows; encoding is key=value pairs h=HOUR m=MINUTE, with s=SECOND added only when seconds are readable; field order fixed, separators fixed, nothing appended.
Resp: h=5 m=53
